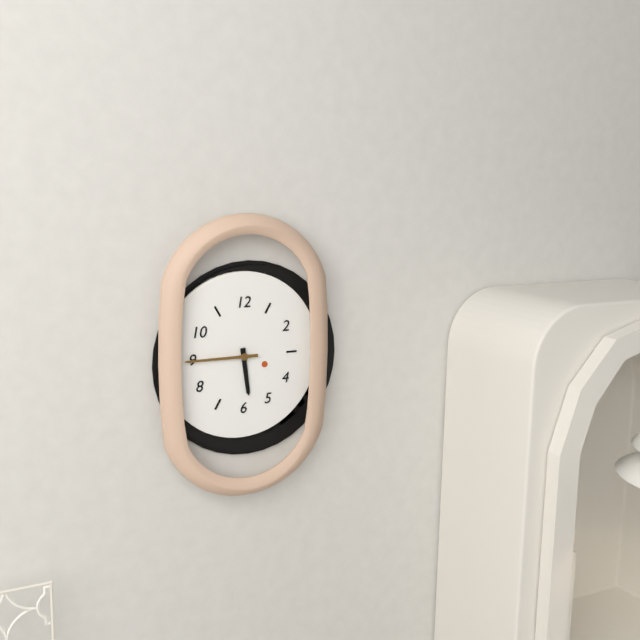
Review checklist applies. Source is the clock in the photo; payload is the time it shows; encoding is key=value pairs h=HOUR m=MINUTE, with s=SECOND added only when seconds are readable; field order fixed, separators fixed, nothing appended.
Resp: h=5 m=45
